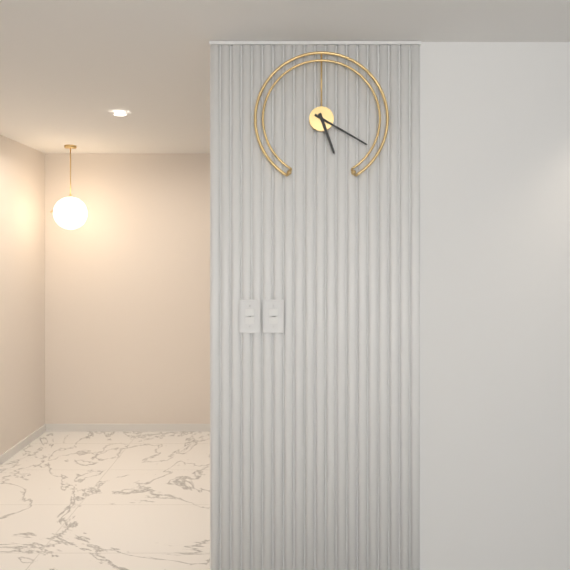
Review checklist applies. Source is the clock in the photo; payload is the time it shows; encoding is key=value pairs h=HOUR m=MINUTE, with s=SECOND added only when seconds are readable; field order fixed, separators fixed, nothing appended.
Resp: h=5 m=20
